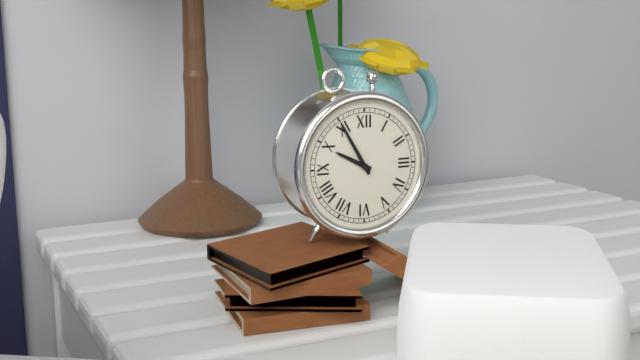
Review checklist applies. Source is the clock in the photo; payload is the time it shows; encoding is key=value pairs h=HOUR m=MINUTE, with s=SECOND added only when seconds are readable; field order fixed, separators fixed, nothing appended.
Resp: h=9 m=55
